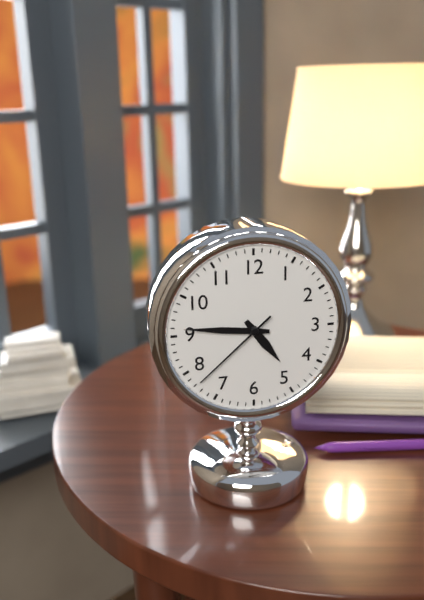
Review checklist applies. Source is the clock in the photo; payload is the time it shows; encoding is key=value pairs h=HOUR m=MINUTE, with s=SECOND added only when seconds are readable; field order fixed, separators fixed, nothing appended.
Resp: h=4 m=46 s=38
